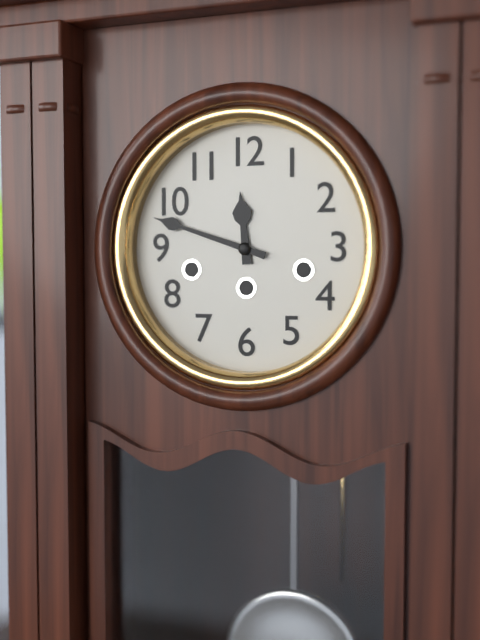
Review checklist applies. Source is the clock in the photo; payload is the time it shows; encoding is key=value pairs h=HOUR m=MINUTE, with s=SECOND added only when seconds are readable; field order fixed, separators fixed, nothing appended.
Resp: h=11 m=48
